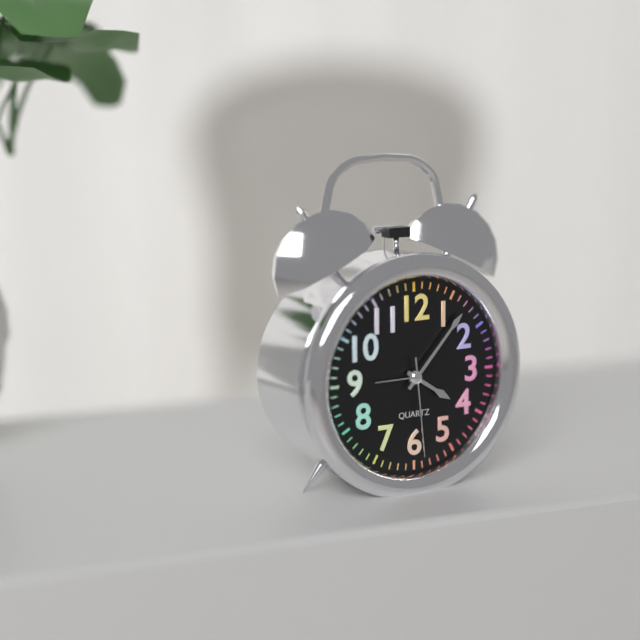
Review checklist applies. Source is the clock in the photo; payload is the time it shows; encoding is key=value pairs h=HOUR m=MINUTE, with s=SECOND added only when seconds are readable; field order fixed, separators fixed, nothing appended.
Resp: h=4 m=7 s=29
